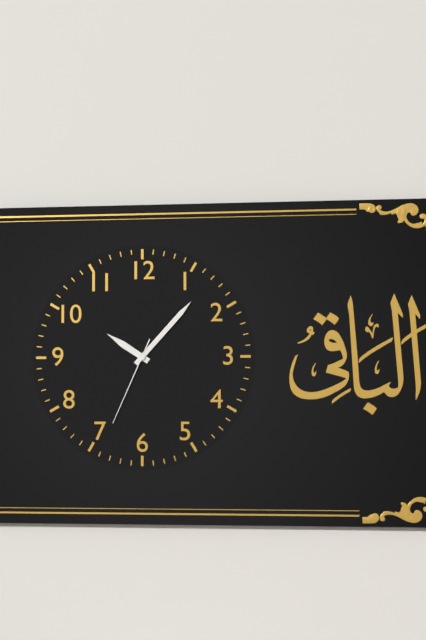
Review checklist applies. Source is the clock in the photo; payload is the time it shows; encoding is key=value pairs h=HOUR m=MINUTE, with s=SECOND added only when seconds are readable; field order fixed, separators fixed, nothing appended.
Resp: h=10 m=7 s=34
